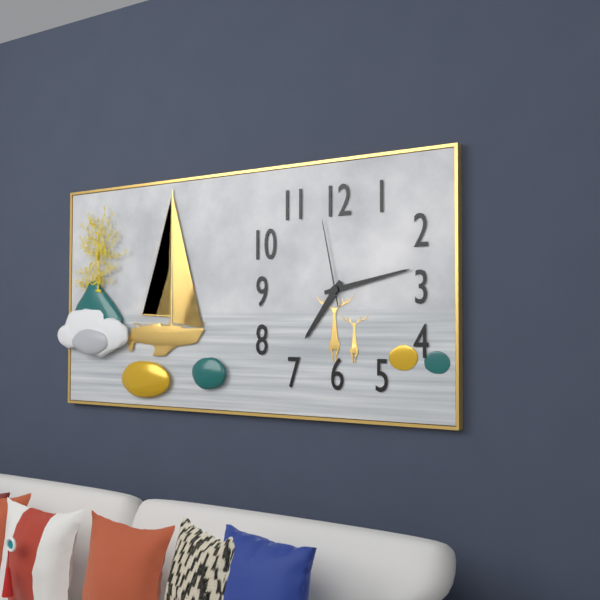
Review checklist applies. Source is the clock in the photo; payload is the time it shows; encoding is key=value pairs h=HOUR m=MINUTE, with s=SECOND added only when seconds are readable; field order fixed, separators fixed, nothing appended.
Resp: h=7 m=13 s=58
